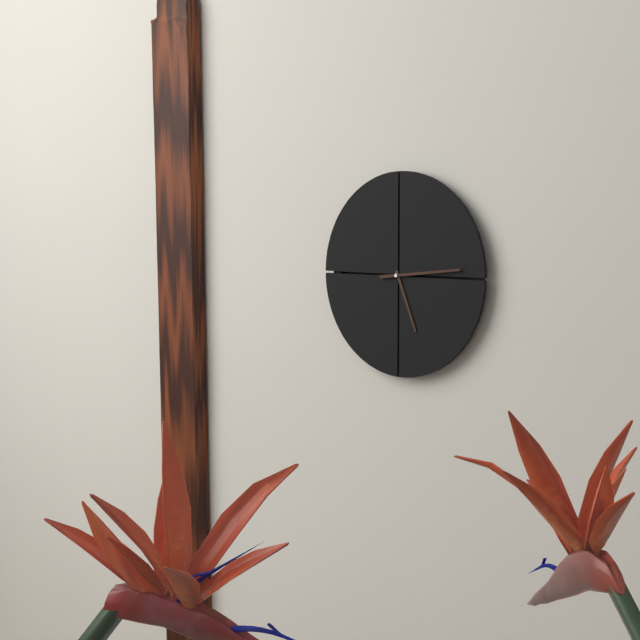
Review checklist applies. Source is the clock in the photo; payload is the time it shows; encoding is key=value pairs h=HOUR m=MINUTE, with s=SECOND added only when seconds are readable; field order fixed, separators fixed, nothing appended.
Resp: h=5 m=14
